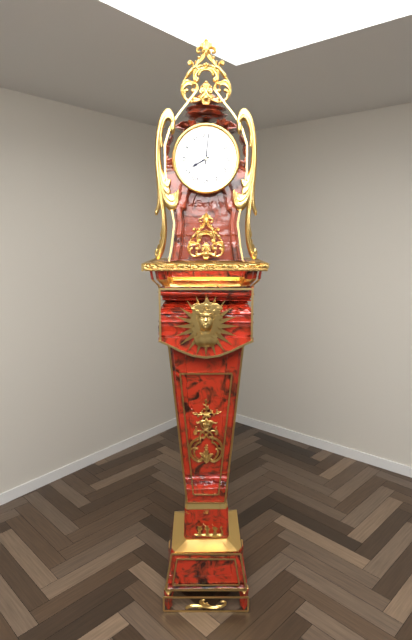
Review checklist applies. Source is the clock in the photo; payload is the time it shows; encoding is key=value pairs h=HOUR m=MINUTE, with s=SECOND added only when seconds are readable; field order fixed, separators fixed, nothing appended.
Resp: h=8 m=1
